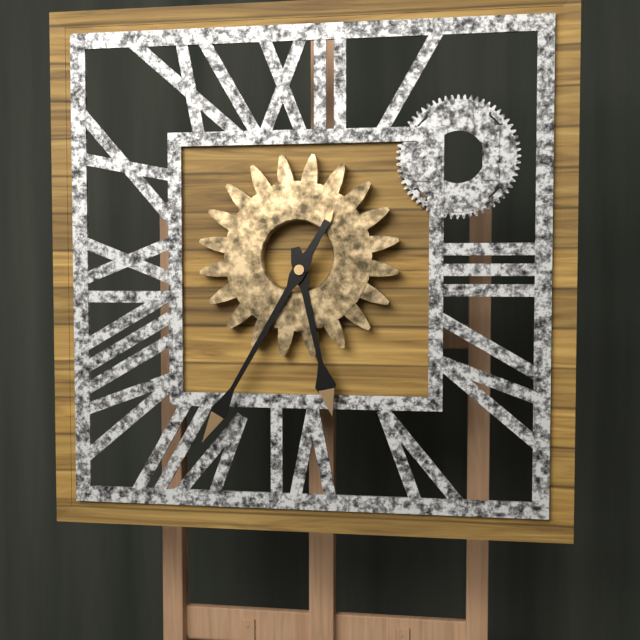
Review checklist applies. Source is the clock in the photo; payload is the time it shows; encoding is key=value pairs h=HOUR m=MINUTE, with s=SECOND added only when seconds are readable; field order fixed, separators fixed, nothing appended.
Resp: h=5 m=35
